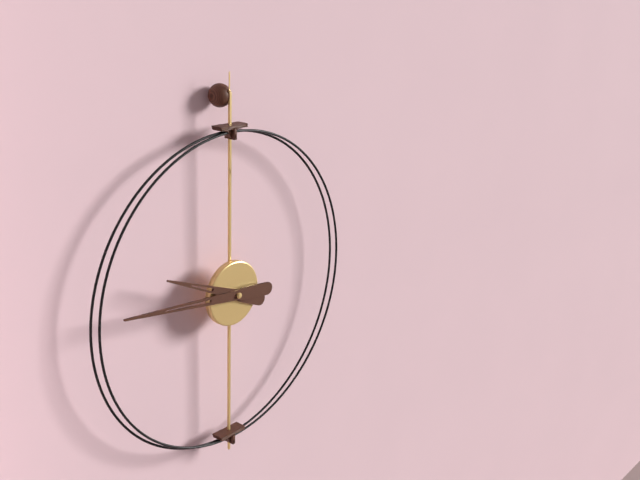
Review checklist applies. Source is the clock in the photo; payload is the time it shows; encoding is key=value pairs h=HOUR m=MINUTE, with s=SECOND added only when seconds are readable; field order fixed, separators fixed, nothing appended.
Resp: h=9 m=46
